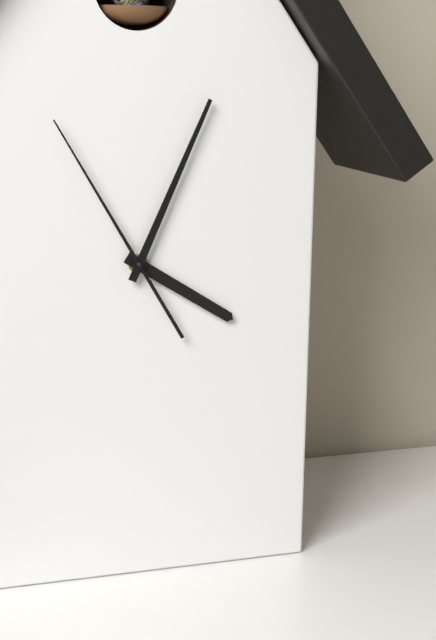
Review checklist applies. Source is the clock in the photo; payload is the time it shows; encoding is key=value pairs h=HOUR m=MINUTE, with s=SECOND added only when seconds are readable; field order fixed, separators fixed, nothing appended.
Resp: h=4 m=4 s=55
